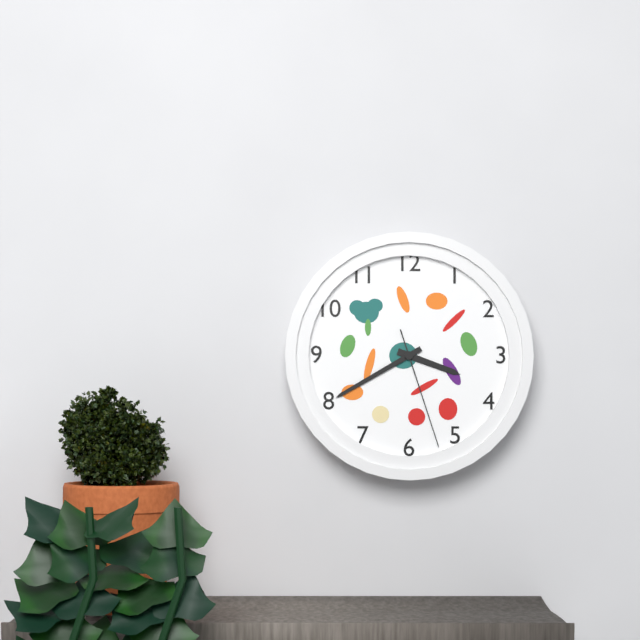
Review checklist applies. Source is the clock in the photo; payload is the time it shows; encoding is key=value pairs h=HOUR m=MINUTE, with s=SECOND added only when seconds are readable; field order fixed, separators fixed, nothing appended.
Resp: h=3 m=40 s=27
